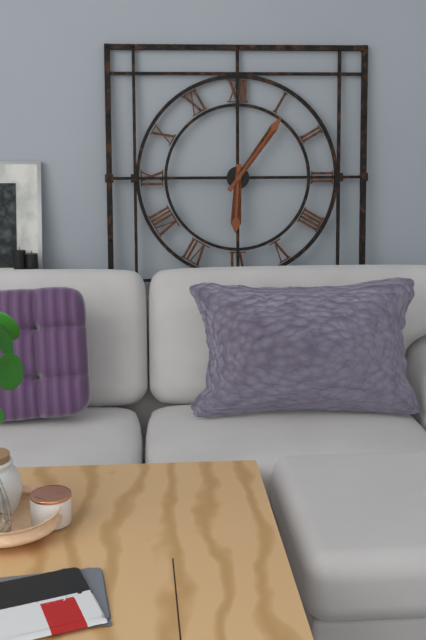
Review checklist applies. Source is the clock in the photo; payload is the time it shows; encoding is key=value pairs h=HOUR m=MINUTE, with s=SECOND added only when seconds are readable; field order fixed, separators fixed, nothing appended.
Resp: h=6 m=6
